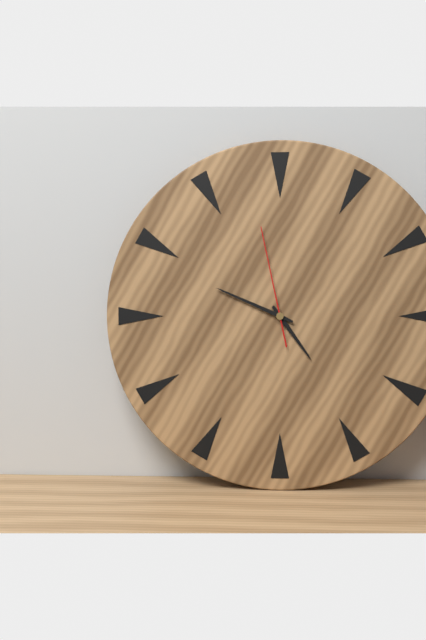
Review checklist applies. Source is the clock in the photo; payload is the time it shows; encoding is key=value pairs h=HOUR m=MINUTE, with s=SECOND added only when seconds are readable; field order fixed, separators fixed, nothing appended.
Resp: h=4 m=49 s=58
